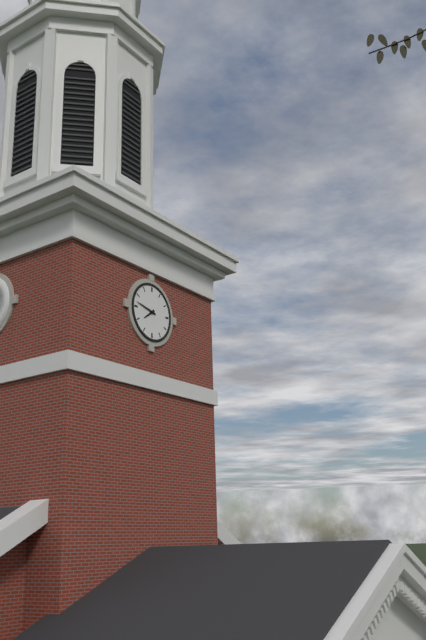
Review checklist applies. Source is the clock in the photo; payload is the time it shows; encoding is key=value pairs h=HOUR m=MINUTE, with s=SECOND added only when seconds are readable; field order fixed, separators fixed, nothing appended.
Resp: h=7 m=47
